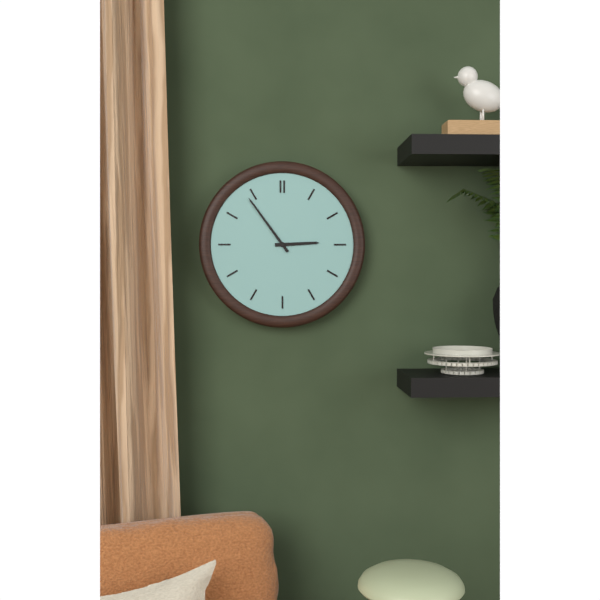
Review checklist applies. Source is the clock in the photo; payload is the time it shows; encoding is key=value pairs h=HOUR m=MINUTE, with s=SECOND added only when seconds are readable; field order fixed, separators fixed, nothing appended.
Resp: h=2 m=54
